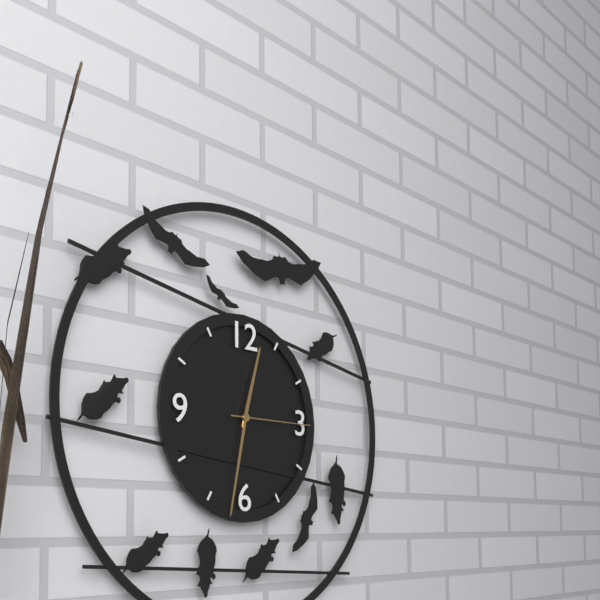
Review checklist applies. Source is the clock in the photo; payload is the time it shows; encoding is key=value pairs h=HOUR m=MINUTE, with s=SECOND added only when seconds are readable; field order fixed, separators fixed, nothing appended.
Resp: h=12 m=32 s=15
